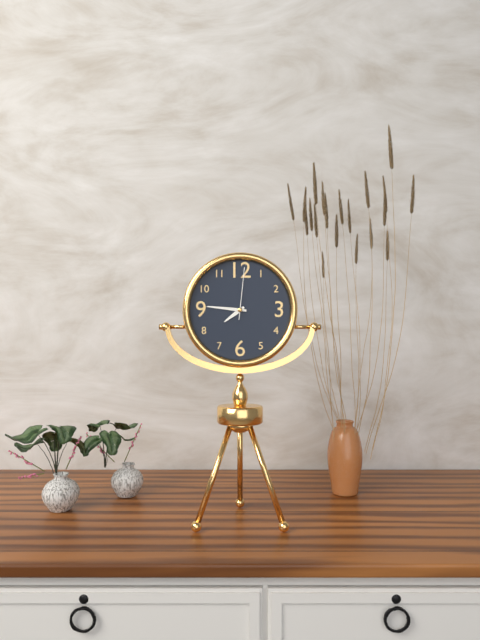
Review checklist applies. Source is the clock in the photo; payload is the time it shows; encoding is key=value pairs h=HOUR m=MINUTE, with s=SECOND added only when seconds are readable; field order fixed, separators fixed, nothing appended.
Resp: h=7 m=46 s=1
